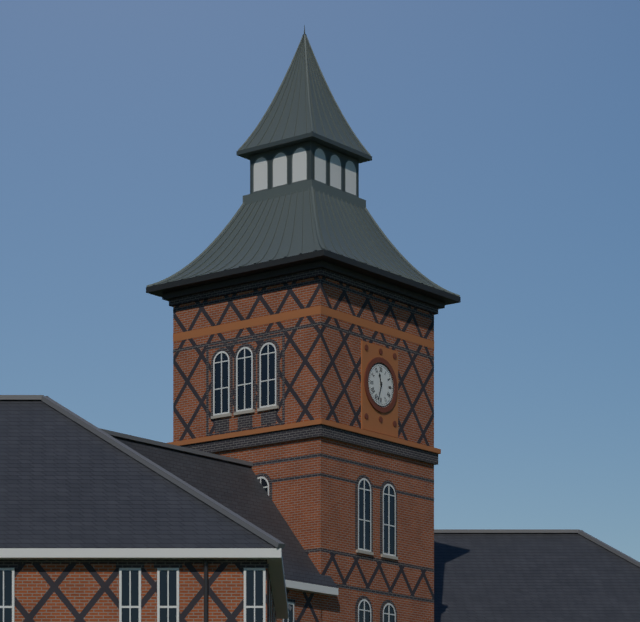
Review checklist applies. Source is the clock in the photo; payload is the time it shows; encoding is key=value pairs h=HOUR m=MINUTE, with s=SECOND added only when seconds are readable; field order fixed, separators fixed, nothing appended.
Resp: h=11 m=33
